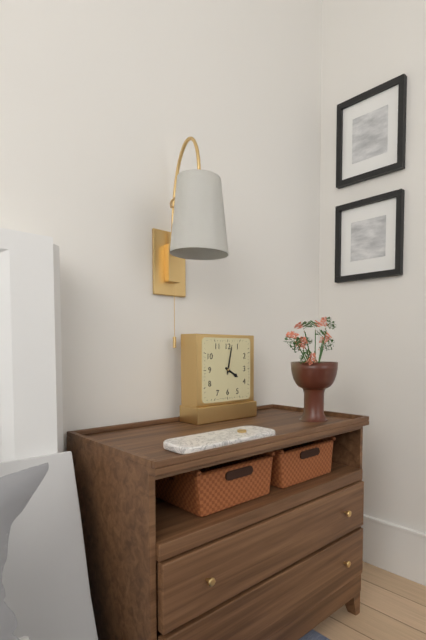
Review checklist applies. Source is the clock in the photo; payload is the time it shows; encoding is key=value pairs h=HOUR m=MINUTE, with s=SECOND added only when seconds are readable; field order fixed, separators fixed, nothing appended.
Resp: h=4 m=2
